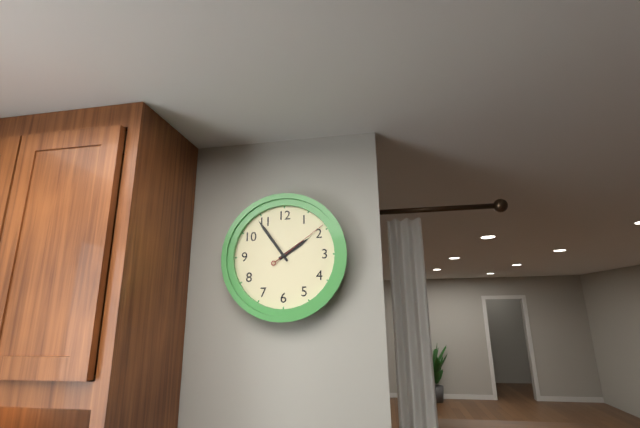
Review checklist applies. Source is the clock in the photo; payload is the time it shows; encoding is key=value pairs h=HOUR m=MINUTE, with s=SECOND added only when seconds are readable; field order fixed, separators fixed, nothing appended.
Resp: h=1 m=54 s=9
